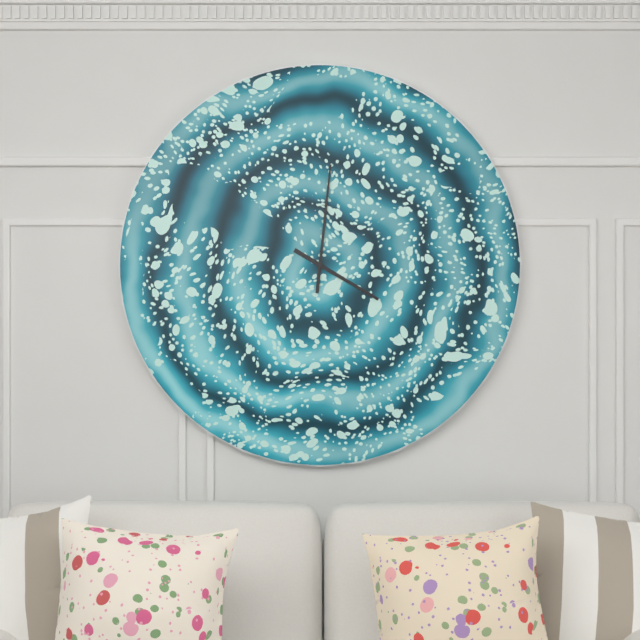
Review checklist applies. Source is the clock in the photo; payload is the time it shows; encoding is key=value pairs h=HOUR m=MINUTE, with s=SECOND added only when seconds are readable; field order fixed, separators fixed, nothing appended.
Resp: h=4 m=1
